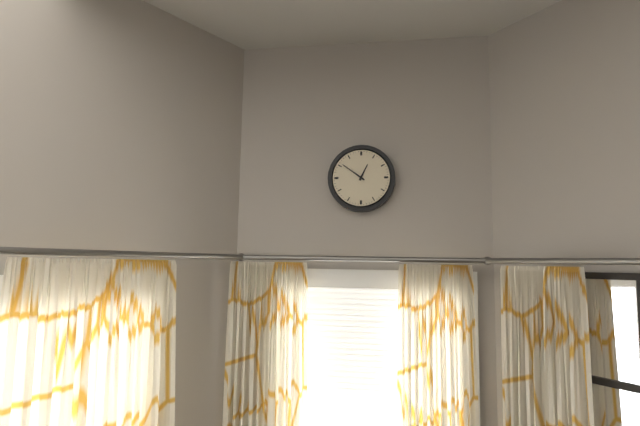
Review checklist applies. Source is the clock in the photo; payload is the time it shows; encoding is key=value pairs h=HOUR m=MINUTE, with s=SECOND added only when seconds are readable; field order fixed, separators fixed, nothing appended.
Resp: h=12 m=51
